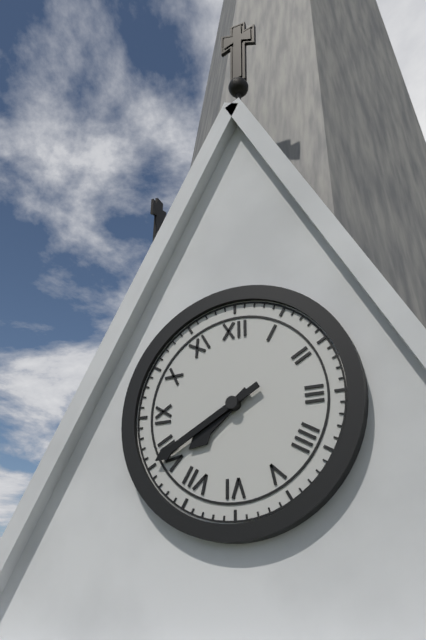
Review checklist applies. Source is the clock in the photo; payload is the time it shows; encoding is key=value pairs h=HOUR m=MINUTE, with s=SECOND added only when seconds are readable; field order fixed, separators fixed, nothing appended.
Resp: h=7 m=40
